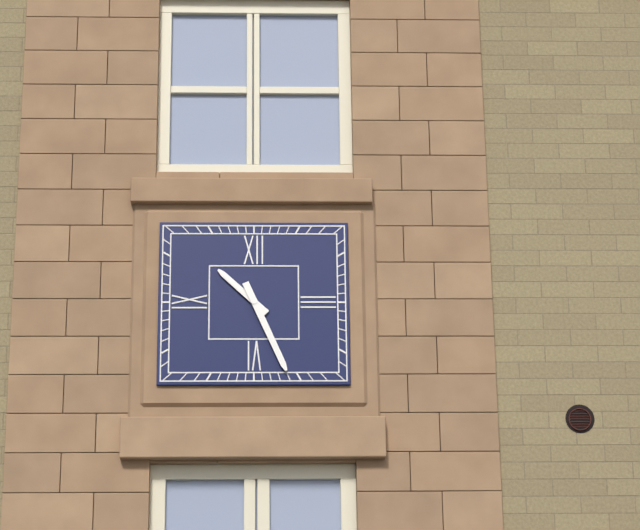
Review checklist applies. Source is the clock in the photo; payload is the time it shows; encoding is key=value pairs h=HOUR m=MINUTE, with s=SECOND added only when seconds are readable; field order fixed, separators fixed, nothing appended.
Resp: h=10 m=26
